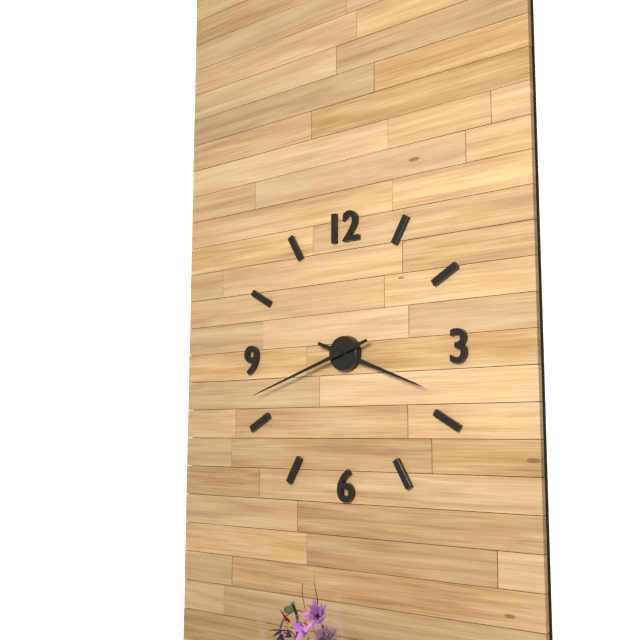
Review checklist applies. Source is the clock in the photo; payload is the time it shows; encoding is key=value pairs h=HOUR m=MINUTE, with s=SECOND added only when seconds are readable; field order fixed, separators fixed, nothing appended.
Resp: h=3 m=42
